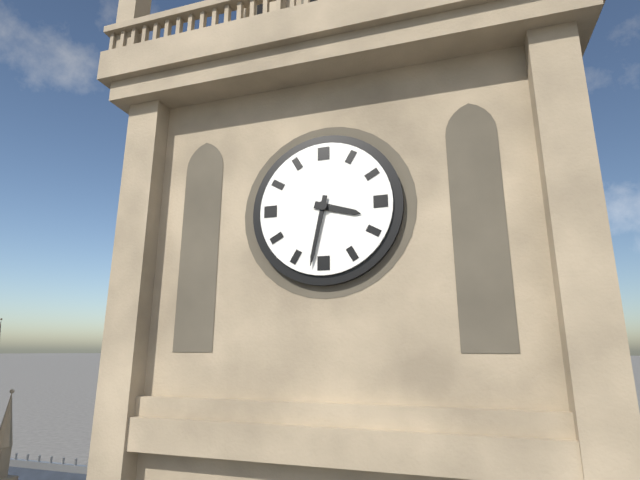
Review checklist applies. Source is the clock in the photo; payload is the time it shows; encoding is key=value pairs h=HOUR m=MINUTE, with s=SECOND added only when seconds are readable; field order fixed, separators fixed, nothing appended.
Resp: h=3 m=32
